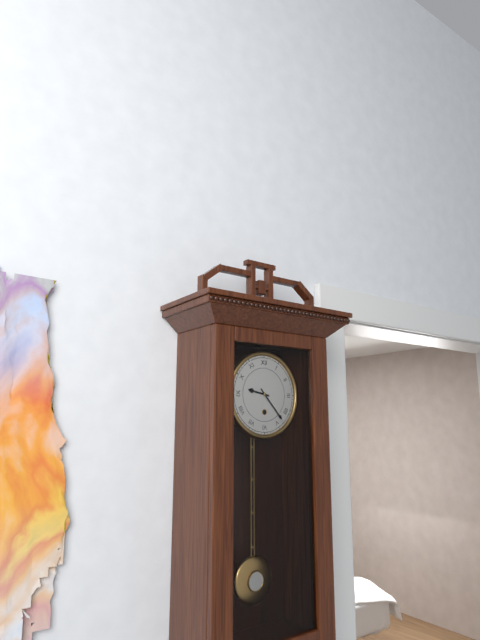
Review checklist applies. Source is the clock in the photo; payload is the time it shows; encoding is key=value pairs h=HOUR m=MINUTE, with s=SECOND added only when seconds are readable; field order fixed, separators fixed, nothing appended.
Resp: h=9 m=23
